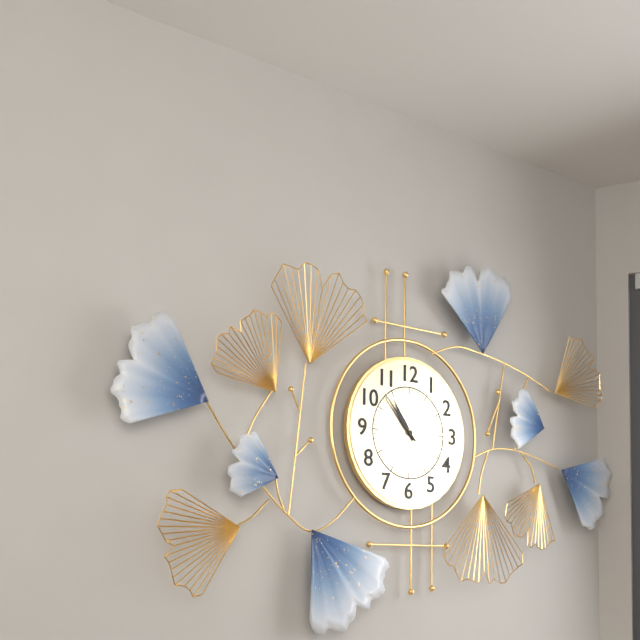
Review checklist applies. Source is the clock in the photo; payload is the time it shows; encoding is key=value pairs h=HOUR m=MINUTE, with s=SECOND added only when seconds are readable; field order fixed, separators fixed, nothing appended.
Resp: h=10 m=53
